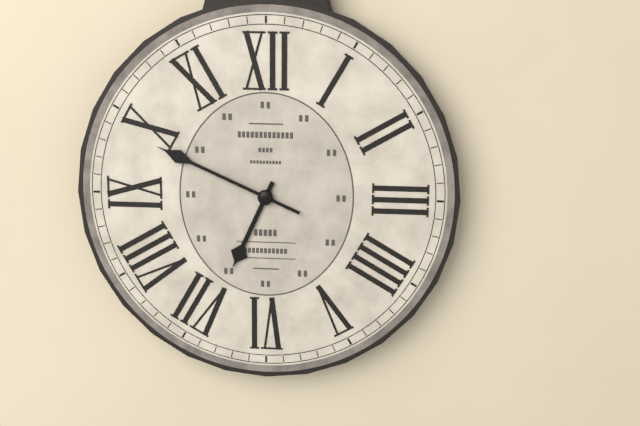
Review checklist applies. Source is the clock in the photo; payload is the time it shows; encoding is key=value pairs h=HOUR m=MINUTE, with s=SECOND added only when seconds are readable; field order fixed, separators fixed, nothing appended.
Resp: h=6 m=49
